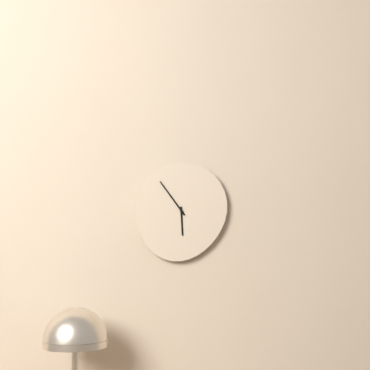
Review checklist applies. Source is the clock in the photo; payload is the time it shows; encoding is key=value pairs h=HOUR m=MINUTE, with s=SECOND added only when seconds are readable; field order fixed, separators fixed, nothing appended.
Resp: h=5 m=54
